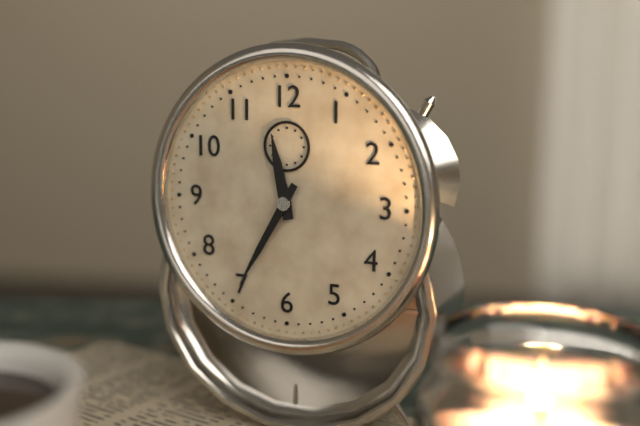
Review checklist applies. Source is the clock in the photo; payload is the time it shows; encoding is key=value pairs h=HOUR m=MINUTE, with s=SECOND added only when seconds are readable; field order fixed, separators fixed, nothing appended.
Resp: h=11 m=35
